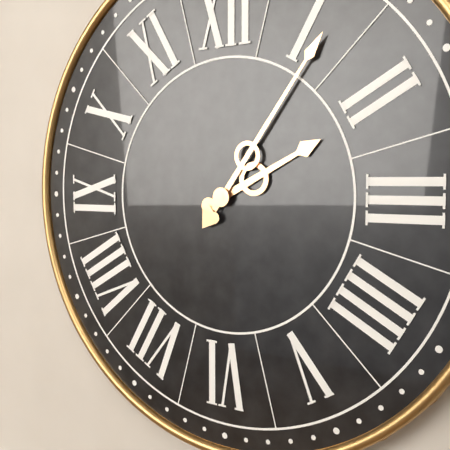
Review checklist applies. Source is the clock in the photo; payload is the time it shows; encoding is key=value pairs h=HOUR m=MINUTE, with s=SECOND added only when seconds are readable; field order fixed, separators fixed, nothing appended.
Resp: h=2 m=6
